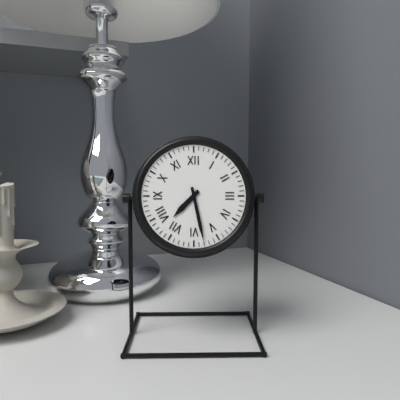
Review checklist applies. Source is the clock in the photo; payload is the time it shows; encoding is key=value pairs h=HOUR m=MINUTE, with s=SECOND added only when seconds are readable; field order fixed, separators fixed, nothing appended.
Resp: h=7 m=28
